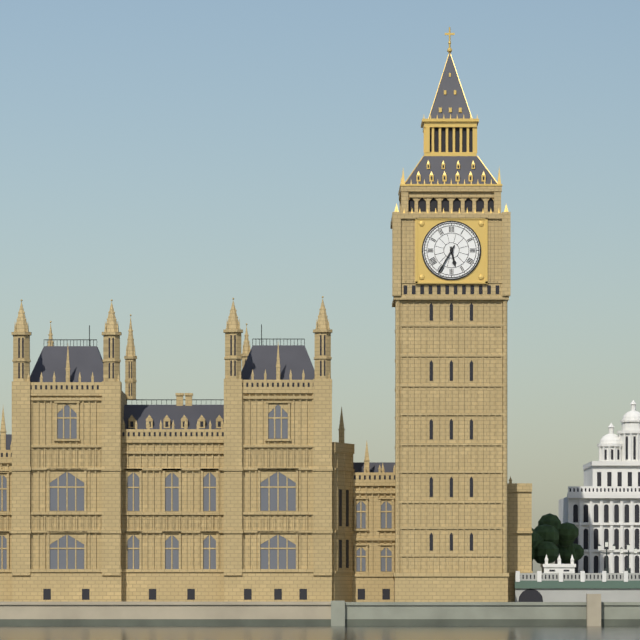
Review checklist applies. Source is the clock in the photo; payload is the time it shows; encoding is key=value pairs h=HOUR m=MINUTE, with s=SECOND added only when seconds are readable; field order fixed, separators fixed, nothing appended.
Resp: h=5 m=35
